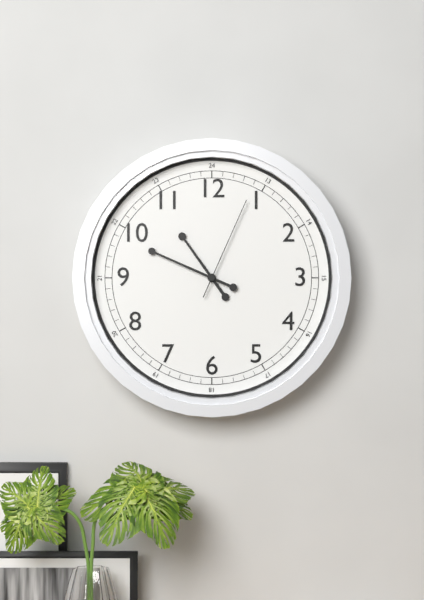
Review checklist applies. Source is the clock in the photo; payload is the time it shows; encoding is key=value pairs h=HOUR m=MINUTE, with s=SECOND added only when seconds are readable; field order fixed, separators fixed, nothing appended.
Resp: h=10 m=49 s=4
